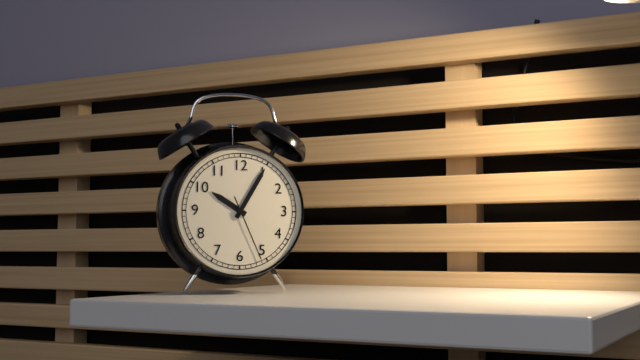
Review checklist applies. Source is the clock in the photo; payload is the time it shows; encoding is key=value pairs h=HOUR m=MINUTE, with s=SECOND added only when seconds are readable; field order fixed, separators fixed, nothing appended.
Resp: h=10 m=5 s=26
